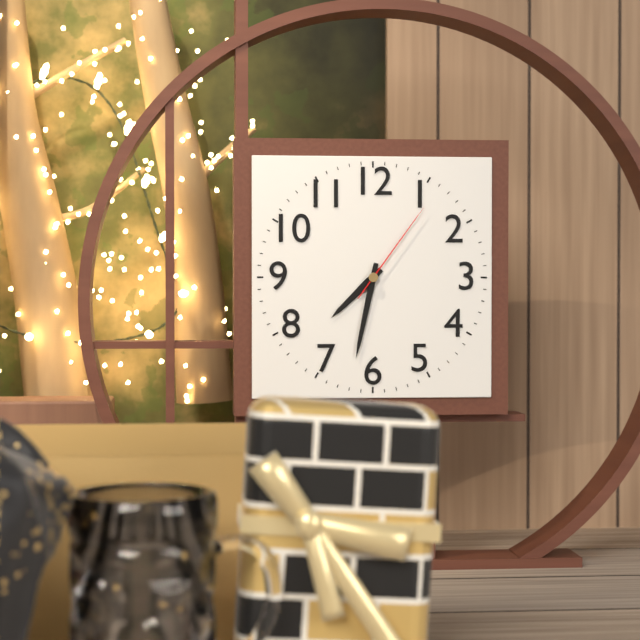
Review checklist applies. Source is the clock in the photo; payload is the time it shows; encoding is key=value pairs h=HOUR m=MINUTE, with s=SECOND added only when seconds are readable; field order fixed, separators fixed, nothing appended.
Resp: h=7 m=32 s=6
